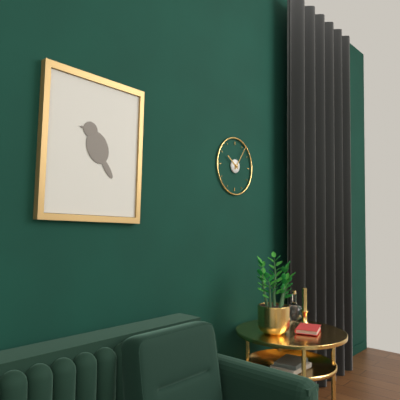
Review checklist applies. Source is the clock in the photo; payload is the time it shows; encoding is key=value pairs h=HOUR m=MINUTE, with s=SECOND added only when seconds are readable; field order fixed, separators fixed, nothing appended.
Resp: h=10 m=6
